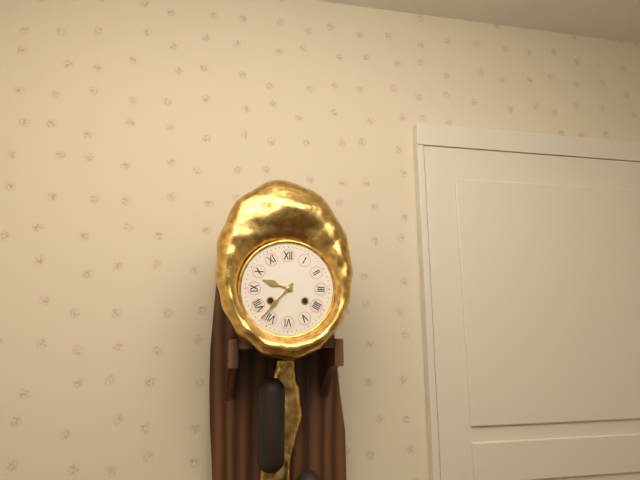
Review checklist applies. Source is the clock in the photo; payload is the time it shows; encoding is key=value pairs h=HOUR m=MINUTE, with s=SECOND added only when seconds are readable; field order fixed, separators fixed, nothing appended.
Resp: h=9 m=37
